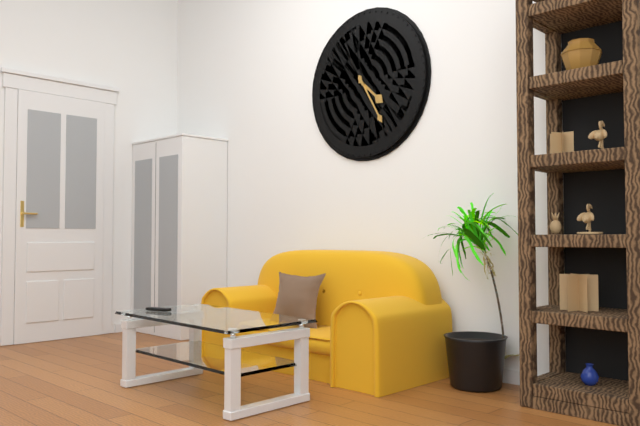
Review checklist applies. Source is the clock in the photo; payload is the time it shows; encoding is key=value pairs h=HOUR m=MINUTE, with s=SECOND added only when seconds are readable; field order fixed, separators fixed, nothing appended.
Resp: h=4 m=25
